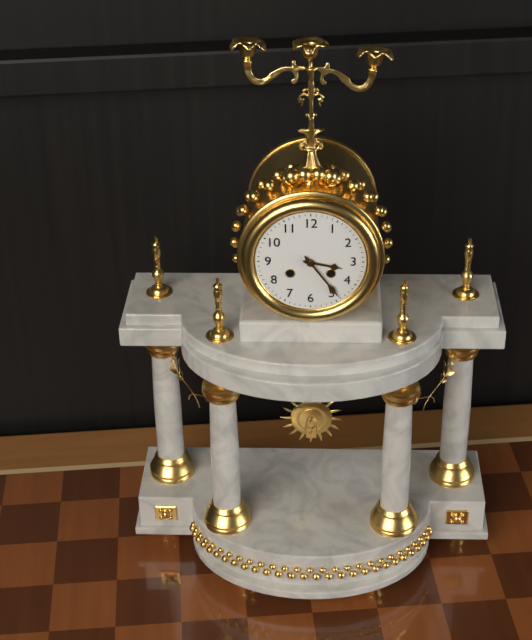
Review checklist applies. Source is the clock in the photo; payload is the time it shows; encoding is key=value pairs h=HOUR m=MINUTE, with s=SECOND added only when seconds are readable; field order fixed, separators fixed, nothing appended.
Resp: h=3 m=24
